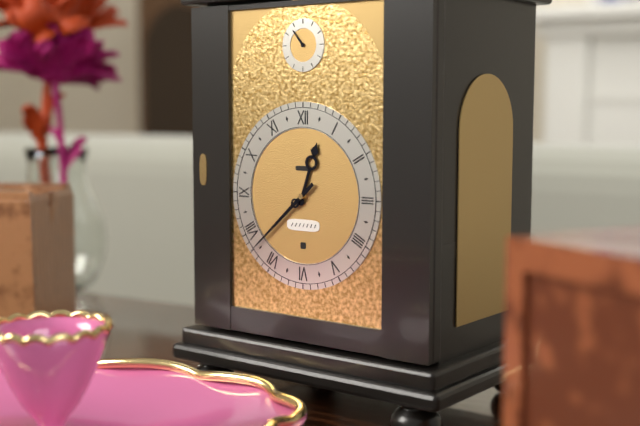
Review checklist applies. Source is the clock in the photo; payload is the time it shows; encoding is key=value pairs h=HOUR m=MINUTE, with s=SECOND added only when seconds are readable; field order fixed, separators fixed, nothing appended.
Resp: h=12 m=38
